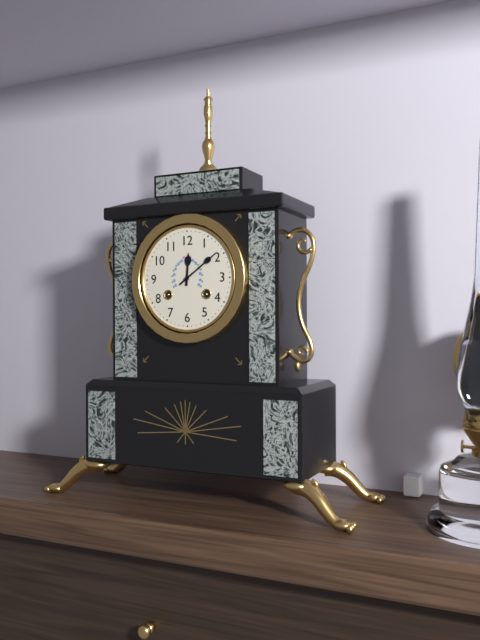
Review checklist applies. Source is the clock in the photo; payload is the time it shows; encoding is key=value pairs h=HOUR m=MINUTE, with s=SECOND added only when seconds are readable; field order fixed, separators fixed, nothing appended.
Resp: h=12 m=9
